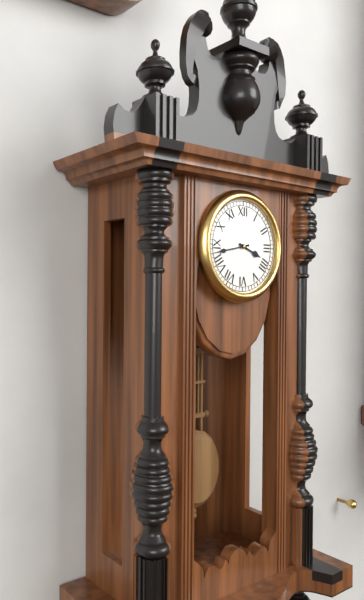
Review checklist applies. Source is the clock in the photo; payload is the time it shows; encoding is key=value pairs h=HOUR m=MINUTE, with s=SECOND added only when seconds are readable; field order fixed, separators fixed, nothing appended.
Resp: h=3 m=43
